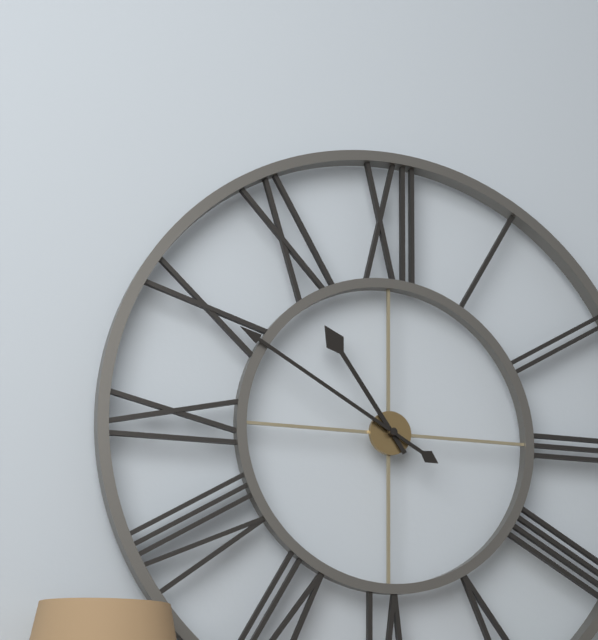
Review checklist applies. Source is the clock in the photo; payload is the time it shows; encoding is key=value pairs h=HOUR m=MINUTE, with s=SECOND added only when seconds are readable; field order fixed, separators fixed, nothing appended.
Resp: h=10 m=50
